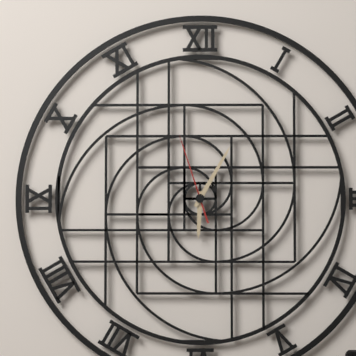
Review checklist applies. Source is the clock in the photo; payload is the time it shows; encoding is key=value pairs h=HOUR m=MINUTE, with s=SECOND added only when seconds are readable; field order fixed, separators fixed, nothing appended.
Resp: h=6 m=5 s=57
